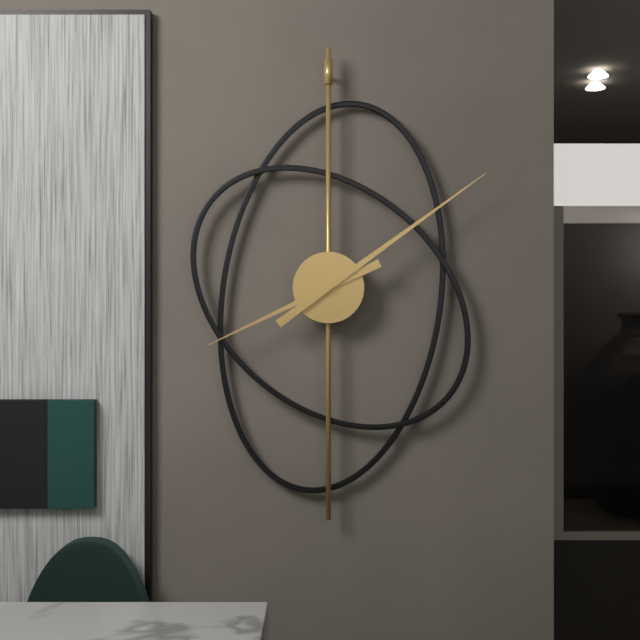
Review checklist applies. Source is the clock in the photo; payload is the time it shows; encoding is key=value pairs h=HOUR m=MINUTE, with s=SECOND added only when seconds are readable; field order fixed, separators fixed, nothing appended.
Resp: h=8 m=9
